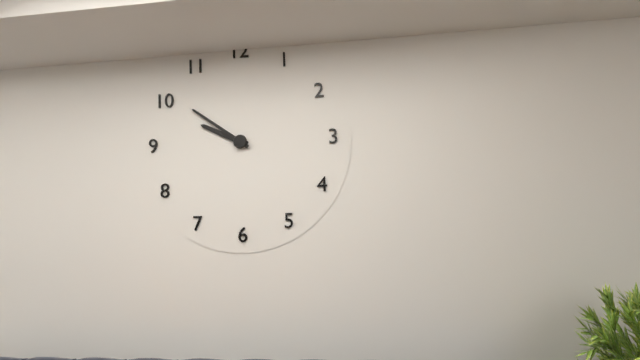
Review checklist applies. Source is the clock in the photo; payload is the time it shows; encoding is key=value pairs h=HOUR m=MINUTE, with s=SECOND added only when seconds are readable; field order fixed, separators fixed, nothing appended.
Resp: h=9 m=51
